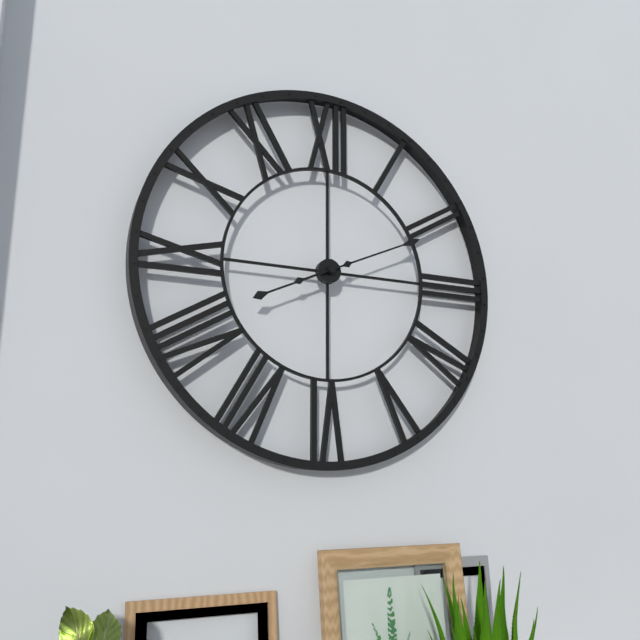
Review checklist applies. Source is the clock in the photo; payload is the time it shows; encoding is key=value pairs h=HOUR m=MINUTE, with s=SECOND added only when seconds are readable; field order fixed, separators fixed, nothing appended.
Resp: h=8 m=11
